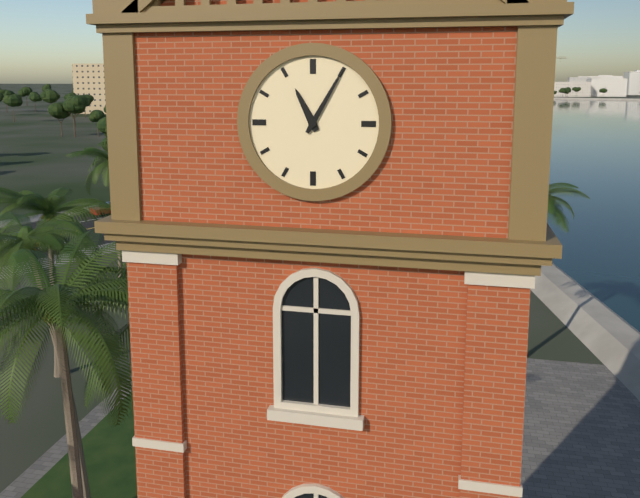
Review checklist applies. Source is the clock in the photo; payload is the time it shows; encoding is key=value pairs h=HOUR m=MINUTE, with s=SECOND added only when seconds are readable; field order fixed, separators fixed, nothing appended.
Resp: h=11 m=5
